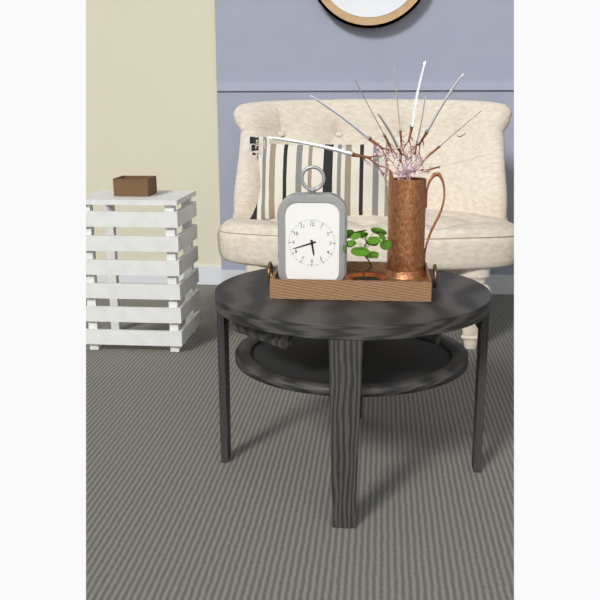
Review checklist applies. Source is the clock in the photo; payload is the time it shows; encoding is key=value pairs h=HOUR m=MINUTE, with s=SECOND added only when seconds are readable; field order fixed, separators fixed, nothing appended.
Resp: h=5 m=42
